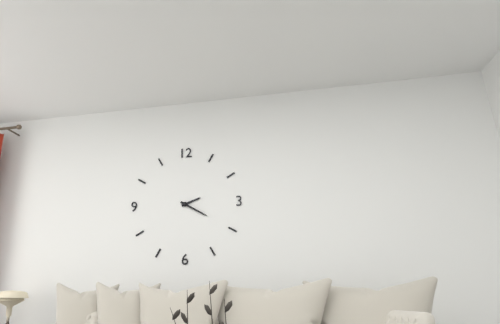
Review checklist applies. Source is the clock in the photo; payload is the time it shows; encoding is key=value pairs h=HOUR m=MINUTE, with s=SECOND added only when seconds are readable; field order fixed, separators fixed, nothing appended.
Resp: h=2 m=20
